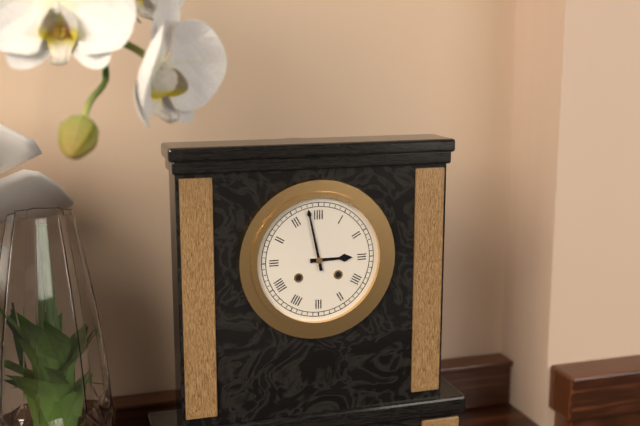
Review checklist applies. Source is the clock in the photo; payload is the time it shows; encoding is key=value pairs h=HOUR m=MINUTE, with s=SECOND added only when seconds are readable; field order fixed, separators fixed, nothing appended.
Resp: h=2 m=58
